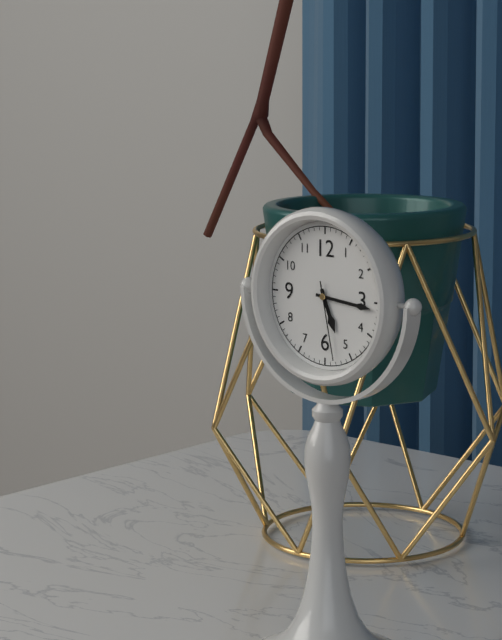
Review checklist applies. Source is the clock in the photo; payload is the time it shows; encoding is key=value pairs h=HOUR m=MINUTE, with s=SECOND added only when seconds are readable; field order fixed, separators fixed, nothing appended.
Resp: h=5 m=16 s=28
